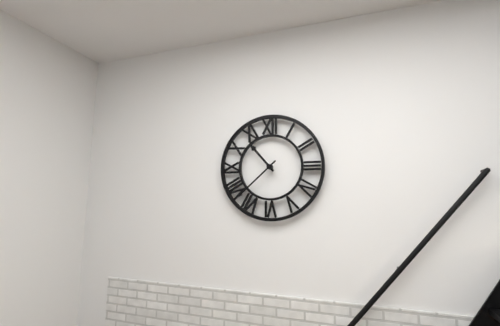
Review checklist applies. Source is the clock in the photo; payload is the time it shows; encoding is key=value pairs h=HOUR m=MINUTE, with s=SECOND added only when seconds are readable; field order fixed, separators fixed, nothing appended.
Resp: h=10 m=38
